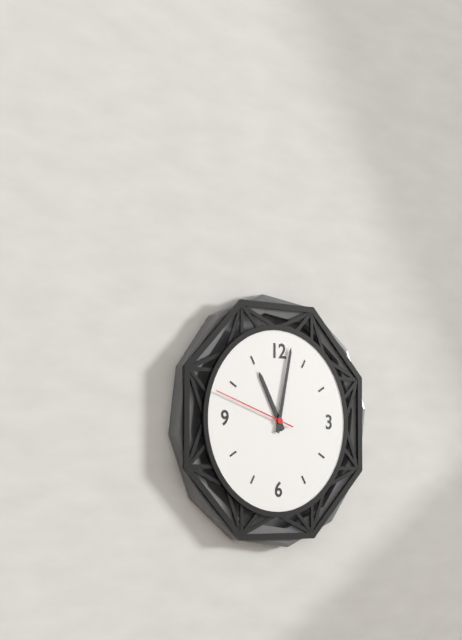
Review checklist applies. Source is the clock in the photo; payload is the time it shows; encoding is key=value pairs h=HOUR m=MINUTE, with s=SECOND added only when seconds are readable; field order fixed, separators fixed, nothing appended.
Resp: h=11 m=2 s=48
